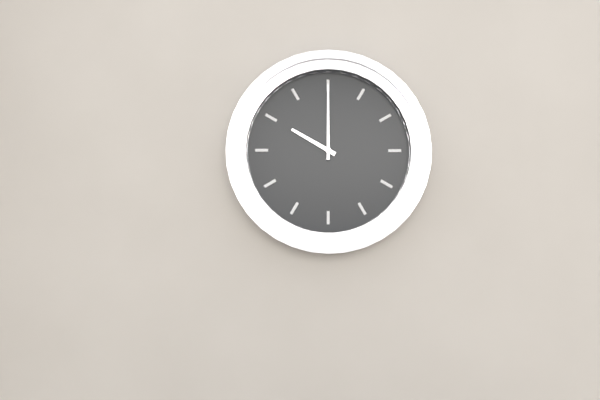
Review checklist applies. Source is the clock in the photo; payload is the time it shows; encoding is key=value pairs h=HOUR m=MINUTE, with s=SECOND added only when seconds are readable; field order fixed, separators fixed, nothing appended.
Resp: h=10 m=0
